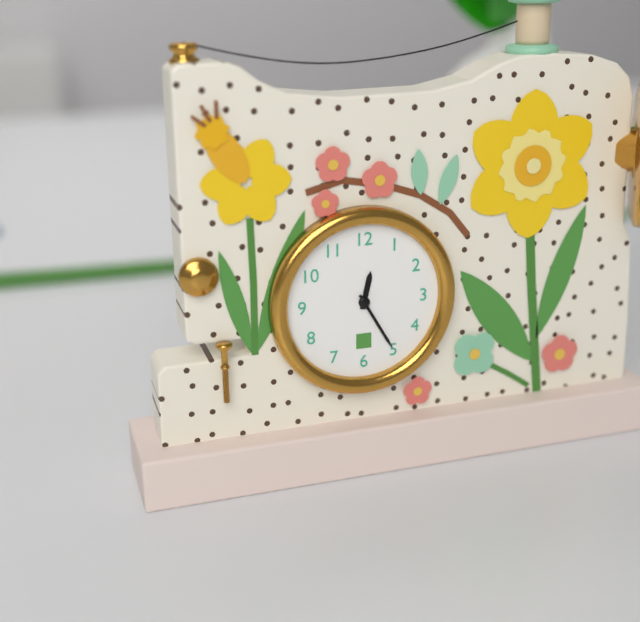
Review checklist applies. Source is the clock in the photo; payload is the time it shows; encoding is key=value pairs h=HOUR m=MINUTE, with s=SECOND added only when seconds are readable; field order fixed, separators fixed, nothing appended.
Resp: h=12 m=25
